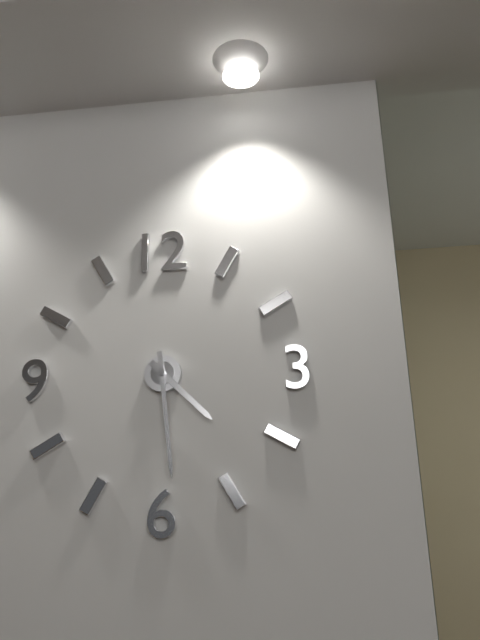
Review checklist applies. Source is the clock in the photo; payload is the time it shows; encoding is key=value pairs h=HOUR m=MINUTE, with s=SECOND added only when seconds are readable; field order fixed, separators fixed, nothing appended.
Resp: h=4 m=29
